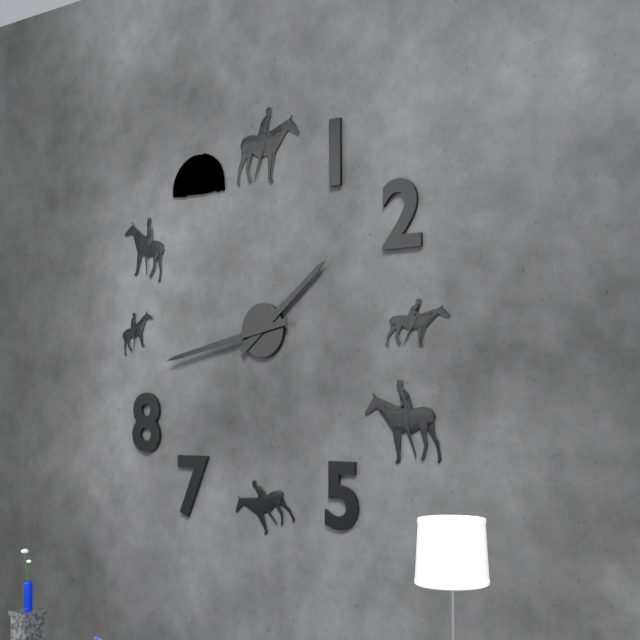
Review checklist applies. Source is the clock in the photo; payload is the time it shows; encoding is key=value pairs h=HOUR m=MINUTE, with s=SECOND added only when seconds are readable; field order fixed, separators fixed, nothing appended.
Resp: h=1 m=43
